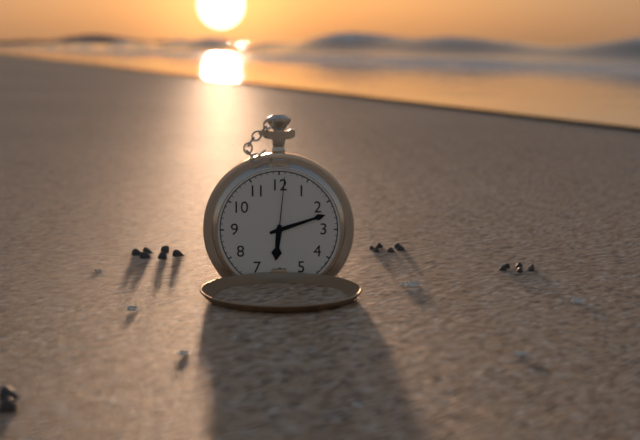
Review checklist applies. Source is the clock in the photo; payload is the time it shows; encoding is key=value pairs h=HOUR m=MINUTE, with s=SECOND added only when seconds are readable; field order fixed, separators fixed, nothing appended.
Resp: h=6 m=12 s=1
